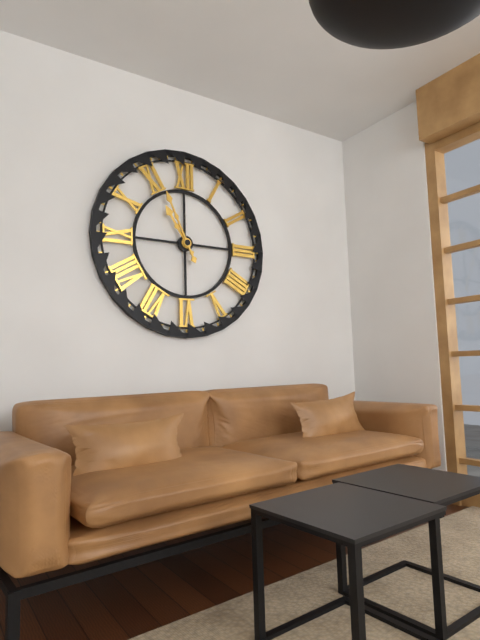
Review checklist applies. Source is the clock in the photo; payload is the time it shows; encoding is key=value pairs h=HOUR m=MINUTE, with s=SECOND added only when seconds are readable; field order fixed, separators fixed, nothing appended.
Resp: h=10 m=56
